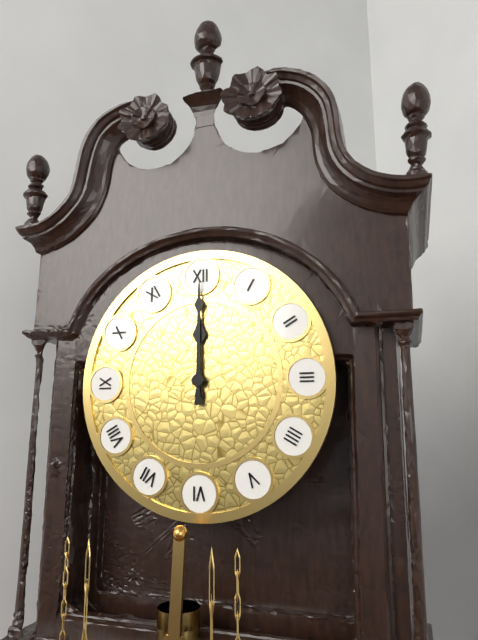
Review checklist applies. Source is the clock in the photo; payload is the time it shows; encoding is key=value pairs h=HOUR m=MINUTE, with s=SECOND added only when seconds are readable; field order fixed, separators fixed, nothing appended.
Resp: h=12 m=0
